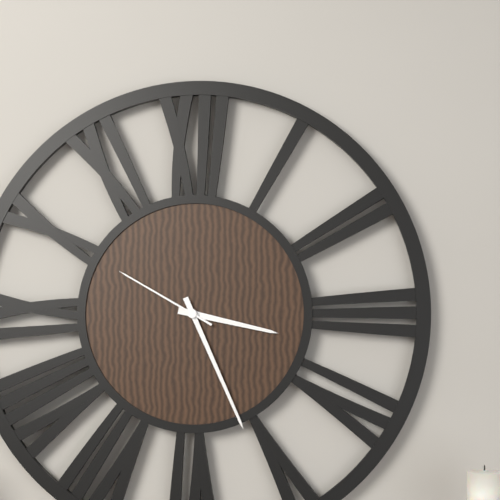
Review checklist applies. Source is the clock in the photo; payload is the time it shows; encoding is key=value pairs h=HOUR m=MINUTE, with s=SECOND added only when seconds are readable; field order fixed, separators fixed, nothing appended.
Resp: h=3 m=26 s=50
